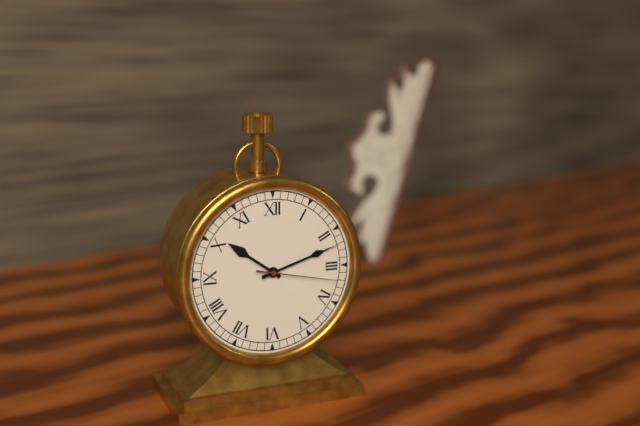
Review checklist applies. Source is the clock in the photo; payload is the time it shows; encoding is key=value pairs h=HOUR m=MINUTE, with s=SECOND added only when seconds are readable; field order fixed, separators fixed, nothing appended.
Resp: h=10 m=12 s=17
